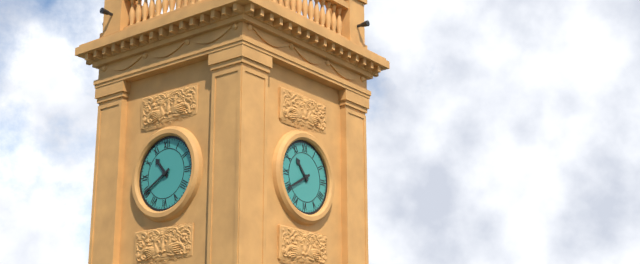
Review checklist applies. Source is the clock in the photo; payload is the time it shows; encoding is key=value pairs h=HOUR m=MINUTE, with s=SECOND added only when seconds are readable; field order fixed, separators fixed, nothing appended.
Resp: h=10 m=40
